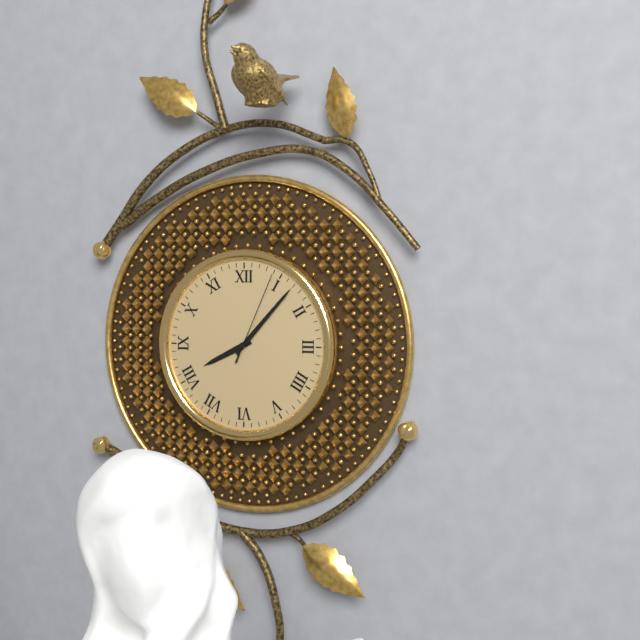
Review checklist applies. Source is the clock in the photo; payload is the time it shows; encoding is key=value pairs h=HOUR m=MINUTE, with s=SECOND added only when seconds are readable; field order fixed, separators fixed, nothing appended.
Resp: h=8 m=7 s=4
